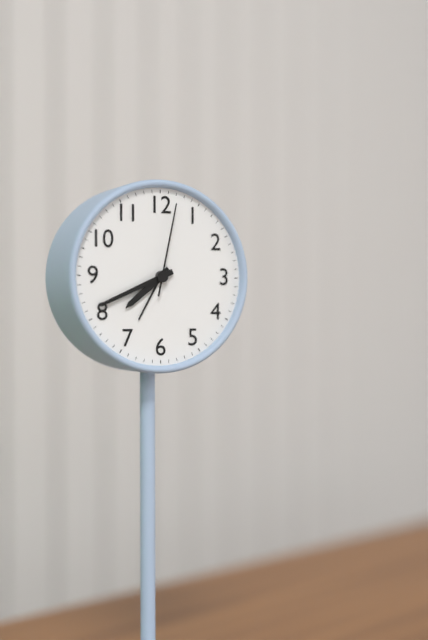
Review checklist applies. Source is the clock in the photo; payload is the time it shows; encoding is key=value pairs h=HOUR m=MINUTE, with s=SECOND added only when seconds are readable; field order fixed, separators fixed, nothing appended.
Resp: h=7 m=41 s=2
